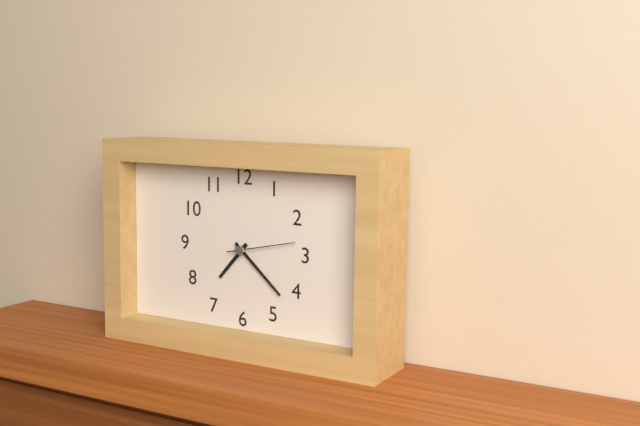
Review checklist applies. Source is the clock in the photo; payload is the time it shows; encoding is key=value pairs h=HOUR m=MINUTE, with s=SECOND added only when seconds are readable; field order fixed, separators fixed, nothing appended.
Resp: h=7 m=22 s=13
